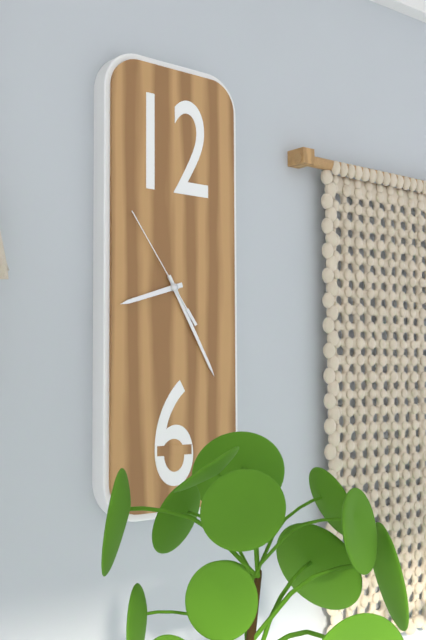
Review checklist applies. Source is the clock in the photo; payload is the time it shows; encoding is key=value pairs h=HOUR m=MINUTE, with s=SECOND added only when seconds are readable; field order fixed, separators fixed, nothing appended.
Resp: h=8 m=25 s=54
